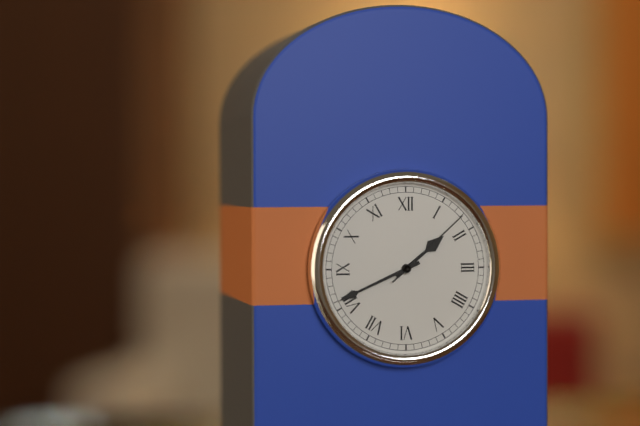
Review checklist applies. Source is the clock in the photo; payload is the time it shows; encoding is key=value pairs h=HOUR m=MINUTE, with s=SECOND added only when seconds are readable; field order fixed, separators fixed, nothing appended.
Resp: h=1 m=41 s=8
